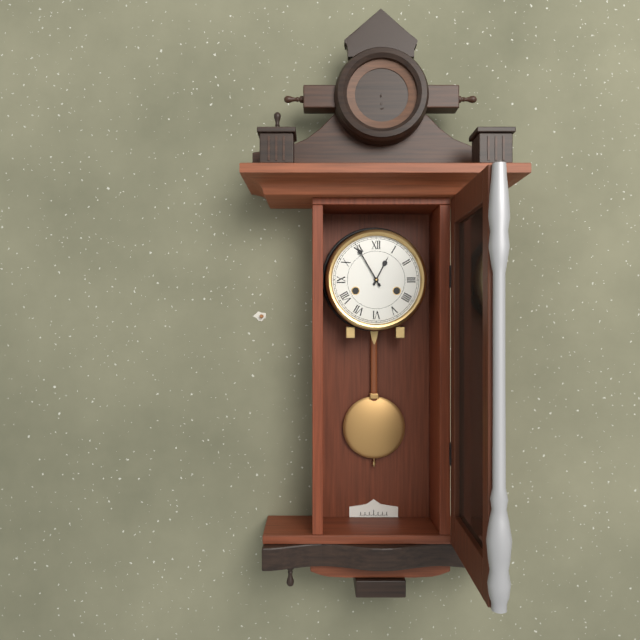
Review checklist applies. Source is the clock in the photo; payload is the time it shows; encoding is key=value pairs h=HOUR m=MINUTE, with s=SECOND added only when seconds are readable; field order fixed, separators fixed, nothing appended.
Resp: h=12 m=55
